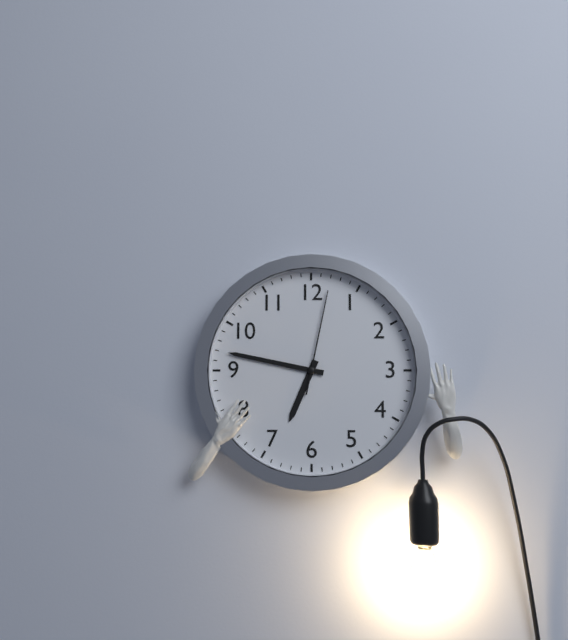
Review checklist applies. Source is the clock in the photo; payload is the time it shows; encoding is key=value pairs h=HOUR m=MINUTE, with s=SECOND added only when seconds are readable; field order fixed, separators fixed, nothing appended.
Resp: h=6 m=47 s=2
